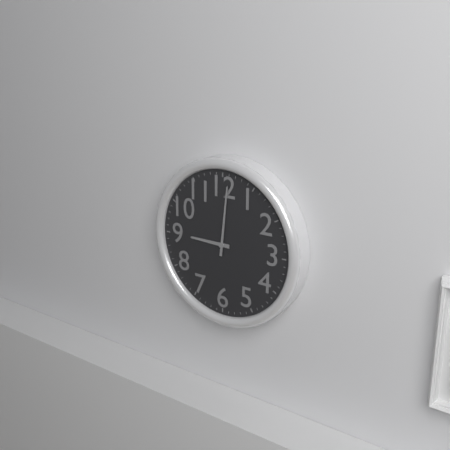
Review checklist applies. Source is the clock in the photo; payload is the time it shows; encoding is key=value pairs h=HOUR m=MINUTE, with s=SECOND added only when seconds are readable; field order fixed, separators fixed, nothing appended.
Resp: h=9 m=1
